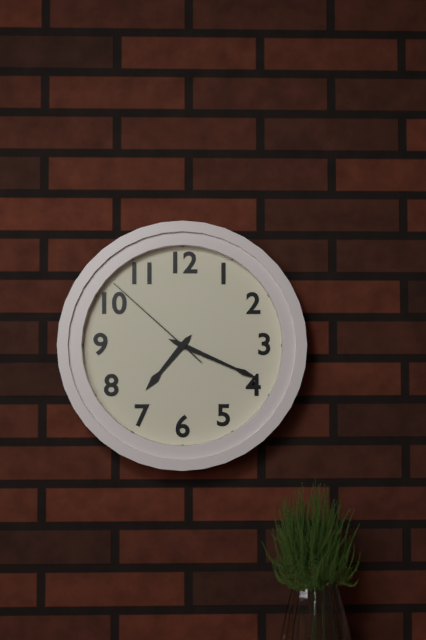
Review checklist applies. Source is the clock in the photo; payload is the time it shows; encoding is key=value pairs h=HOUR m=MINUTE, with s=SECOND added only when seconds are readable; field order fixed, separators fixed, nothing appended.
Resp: h=7 m=19 s=52
